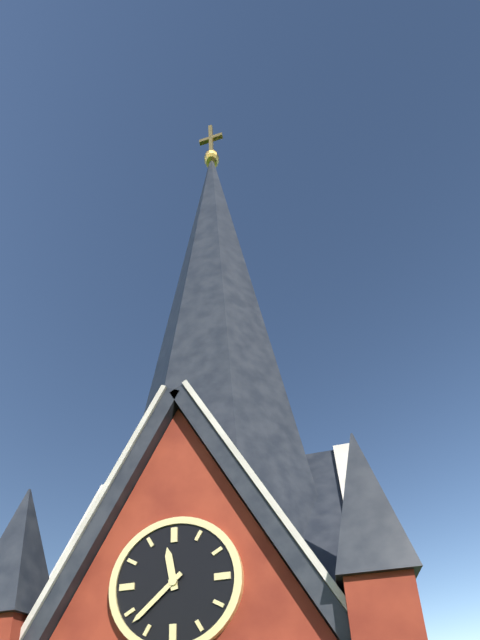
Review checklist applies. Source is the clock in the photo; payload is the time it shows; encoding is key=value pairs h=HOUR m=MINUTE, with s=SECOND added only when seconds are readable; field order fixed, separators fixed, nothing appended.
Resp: h=11 m=38
